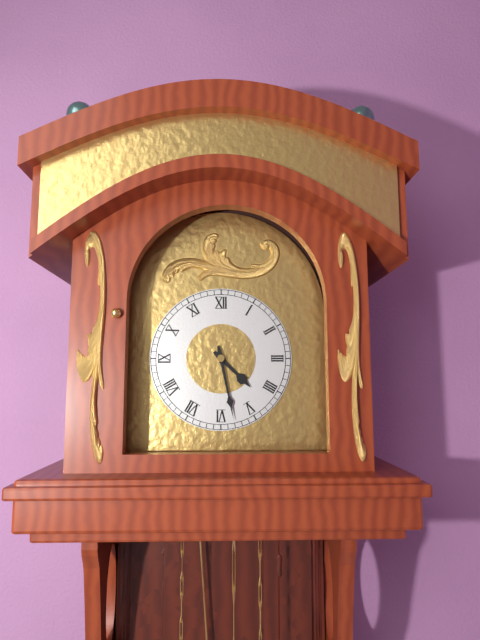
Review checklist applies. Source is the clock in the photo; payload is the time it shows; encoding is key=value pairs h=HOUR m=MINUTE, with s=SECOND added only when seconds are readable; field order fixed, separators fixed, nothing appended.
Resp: h=4 m=28
